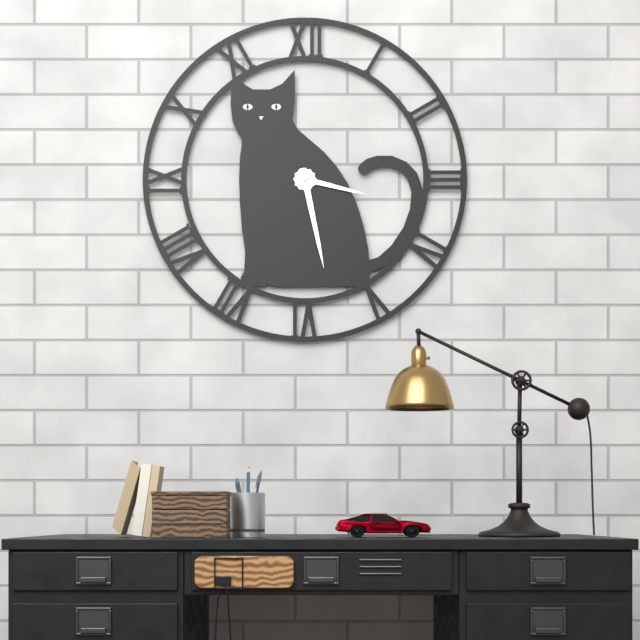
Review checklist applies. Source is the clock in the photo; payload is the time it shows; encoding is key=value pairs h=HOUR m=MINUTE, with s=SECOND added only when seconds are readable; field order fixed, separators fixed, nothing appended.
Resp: h=3 m=28
